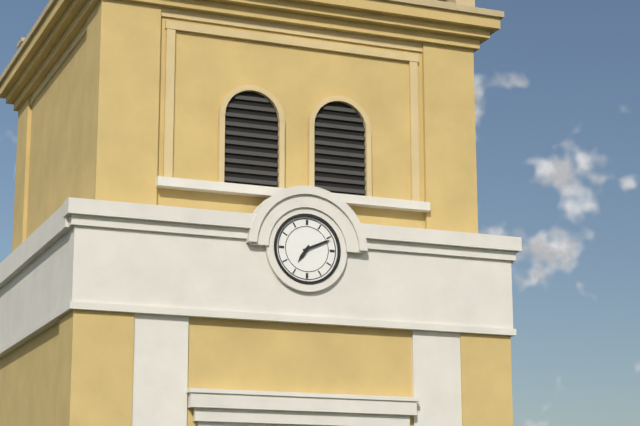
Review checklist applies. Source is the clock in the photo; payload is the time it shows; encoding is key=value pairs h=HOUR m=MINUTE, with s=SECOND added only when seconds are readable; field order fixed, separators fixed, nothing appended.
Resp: h=7 m=11
